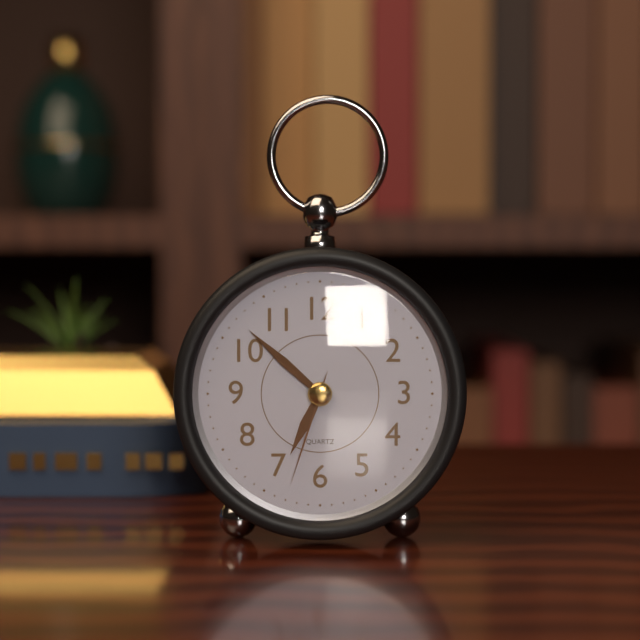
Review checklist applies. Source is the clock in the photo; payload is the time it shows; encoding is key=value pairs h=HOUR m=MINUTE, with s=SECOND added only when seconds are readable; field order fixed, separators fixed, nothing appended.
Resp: h=6 m=52 s=33
